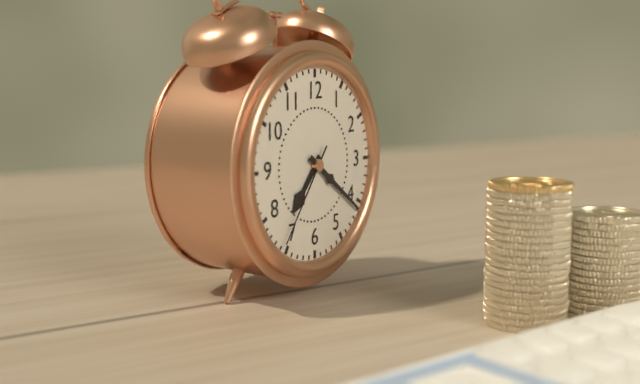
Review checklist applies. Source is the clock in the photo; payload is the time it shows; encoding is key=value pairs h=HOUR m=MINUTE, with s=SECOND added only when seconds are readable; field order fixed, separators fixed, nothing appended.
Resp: h=7 m=21 s=36
